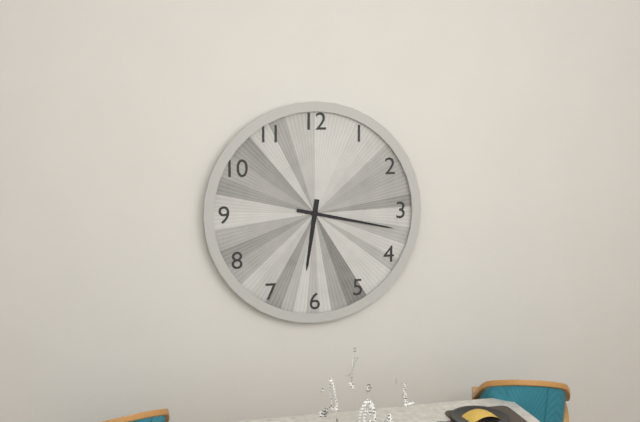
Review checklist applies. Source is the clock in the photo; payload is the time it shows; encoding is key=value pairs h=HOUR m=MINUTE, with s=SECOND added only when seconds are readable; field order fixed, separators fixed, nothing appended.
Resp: h=6 m=17
